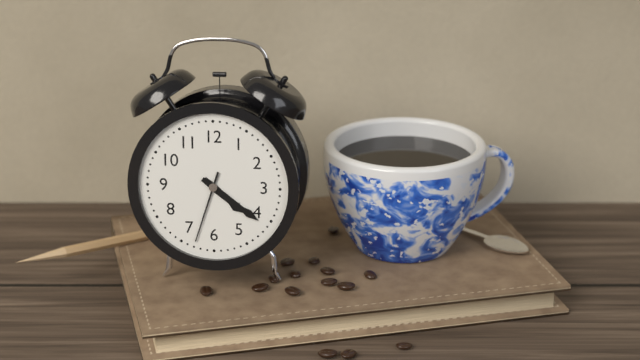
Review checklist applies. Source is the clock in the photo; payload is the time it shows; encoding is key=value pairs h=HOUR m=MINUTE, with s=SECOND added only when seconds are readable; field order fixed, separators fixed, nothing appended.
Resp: h=4 m=21 s=33
